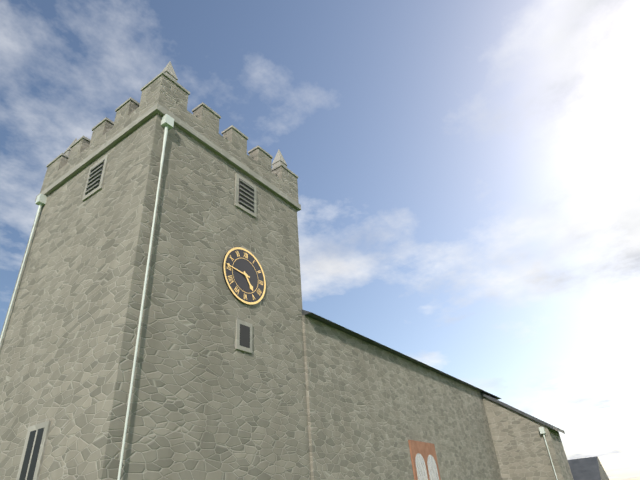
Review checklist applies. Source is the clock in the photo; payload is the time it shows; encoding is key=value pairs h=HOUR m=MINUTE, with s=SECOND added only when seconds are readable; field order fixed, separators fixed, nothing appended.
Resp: h=4 m=46
